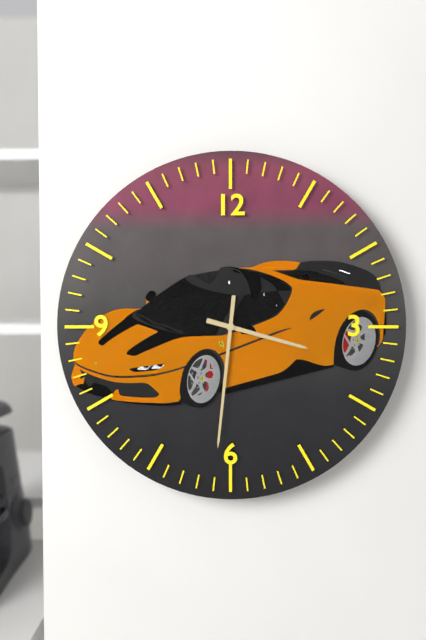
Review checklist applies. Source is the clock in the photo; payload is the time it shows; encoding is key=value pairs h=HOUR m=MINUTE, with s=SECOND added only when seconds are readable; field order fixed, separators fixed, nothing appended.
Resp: h=3 m=31
